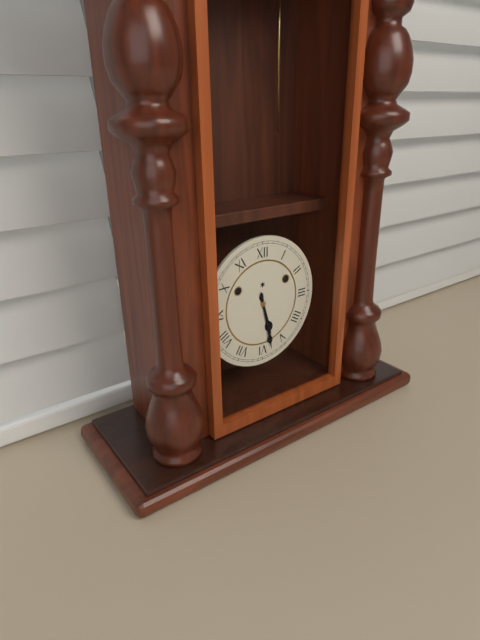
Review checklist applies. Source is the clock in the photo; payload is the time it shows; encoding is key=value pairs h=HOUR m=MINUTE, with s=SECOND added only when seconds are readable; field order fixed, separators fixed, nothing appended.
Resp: h=5 m=28
